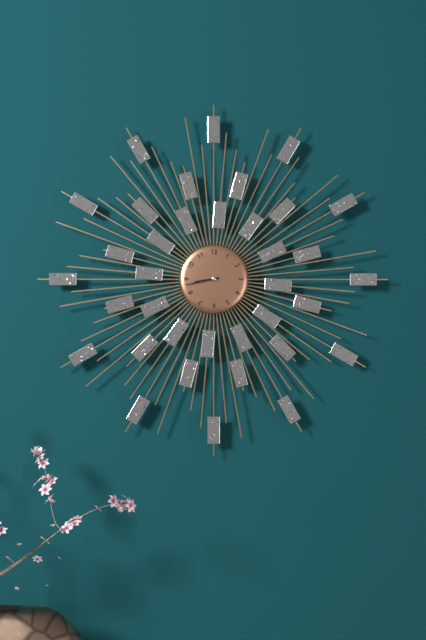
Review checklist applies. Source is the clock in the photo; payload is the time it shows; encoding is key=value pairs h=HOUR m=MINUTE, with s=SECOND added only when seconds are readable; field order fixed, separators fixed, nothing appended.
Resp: h=8 m=43
